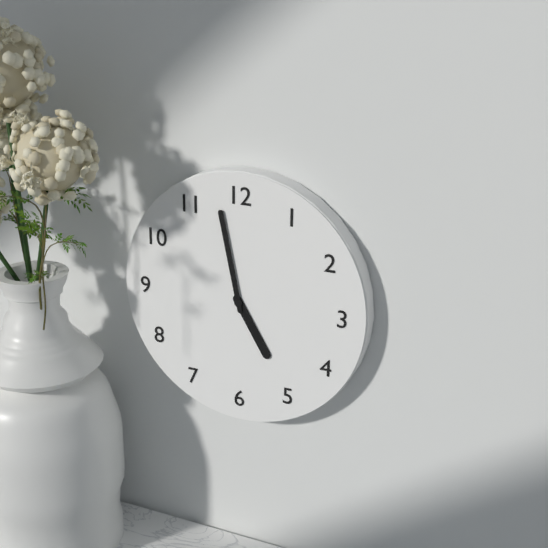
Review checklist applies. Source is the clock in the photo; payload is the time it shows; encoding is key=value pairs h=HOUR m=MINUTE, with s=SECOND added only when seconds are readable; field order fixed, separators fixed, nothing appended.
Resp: h=4 m=58
